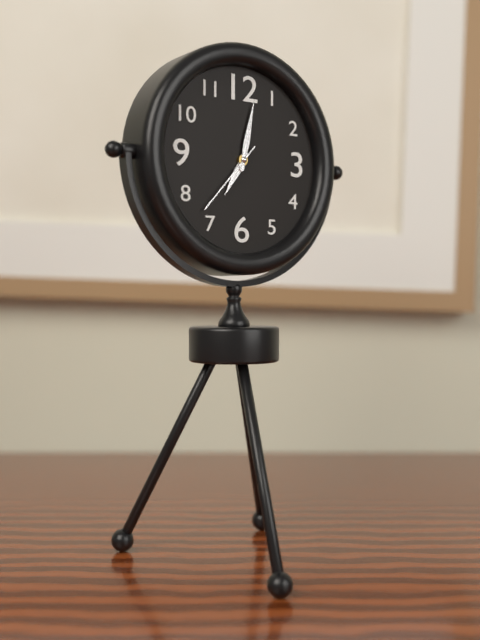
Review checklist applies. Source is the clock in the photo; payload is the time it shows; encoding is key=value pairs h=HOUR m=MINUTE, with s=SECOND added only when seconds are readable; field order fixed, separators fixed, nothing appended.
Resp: h=7 m=2 s=37
